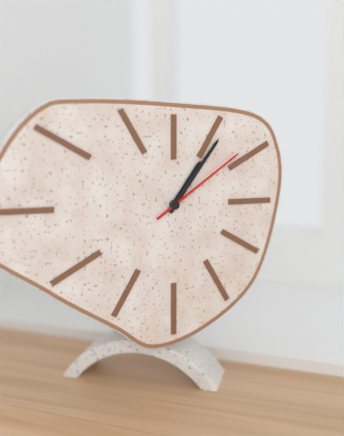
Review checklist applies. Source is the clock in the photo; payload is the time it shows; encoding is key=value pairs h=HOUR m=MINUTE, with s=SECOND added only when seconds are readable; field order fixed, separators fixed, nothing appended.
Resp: h=1 m=6 s=9
